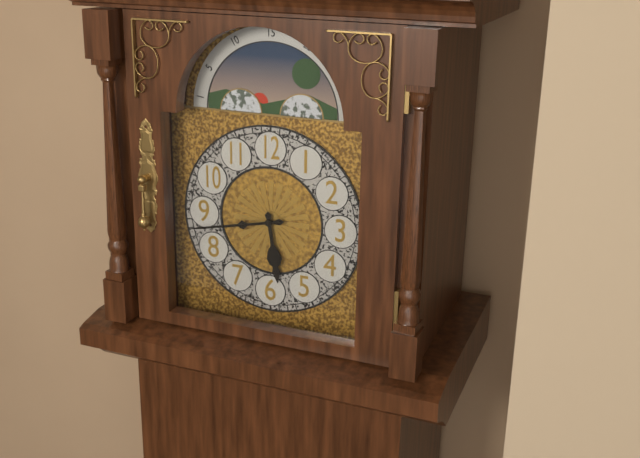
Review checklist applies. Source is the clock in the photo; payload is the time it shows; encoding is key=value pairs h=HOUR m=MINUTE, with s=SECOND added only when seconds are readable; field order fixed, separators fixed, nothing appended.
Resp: h=5 m=43
